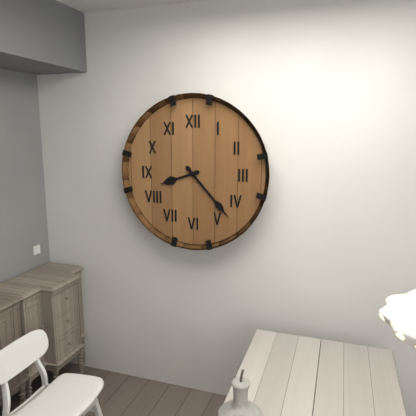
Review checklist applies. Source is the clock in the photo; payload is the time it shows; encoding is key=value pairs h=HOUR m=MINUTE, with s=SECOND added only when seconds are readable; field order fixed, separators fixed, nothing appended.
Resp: h=8 m=23
